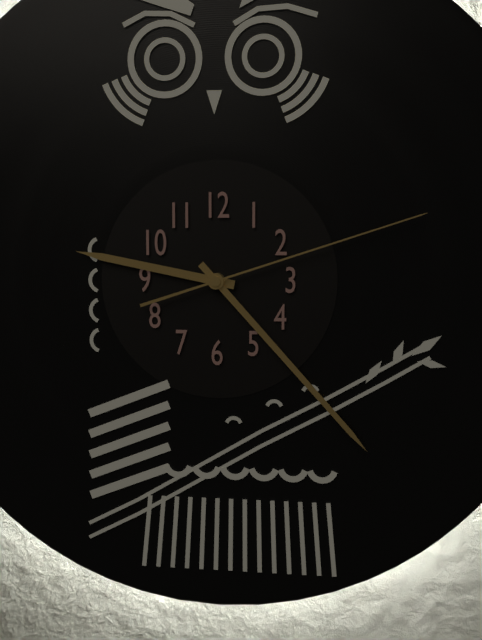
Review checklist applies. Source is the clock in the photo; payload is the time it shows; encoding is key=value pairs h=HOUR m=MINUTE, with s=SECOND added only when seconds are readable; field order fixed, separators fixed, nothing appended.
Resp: h=9 m=23 s=12
